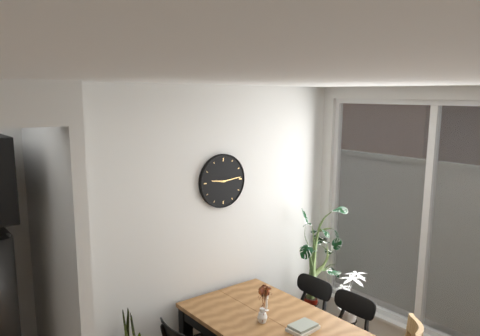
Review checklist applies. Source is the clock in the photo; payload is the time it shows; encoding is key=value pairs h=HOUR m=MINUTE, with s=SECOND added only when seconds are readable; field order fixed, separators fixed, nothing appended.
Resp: h=9 m=14
